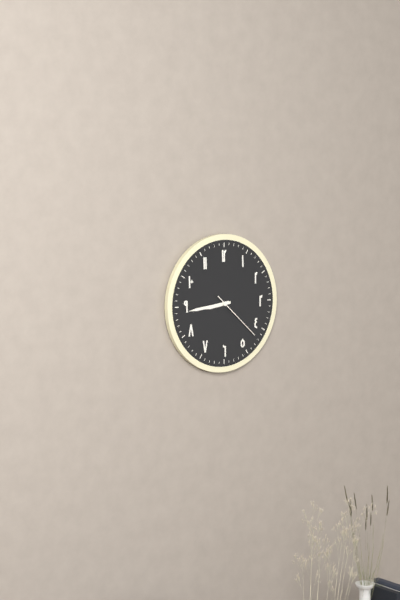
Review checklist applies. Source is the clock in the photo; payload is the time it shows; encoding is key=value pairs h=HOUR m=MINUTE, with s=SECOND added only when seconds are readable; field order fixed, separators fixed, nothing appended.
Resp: h=8 m=44 s=22
